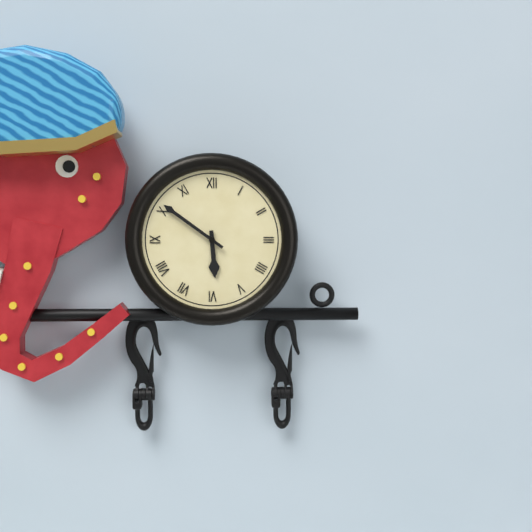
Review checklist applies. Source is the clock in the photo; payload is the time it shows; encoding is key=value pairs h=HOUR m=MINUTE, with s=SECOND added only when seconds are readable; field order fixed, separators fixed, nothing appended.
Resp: h=5 m=51
